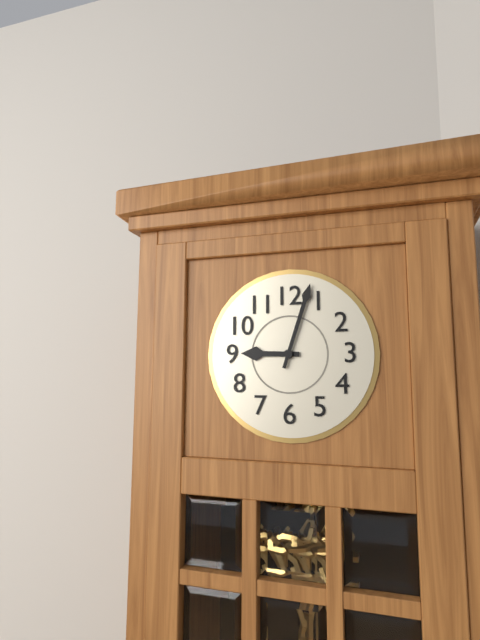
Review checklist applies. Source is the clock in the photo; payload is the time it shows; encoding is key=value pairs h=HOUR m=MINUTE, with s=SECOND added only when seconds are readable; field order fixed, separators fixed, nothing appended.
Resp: h=9 m=3
